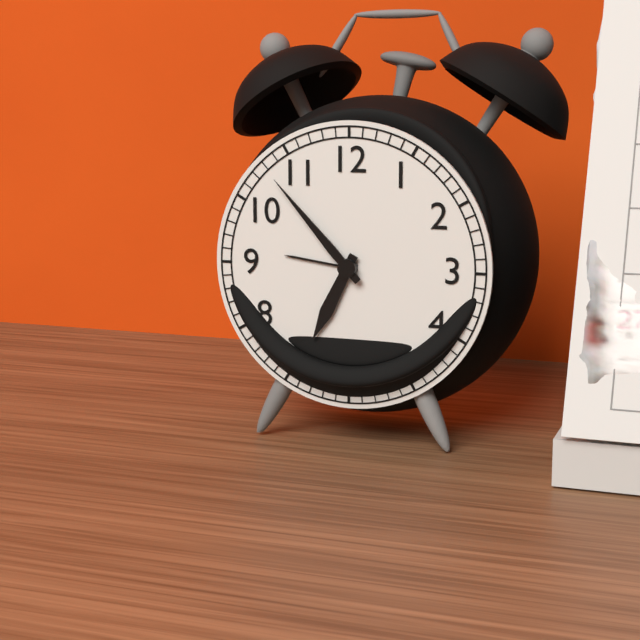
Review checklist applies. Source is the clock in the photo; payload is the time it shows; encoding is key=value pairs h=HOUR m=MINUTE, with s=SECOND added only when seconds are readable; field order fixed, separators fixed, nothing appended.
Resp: h=6 m=53
